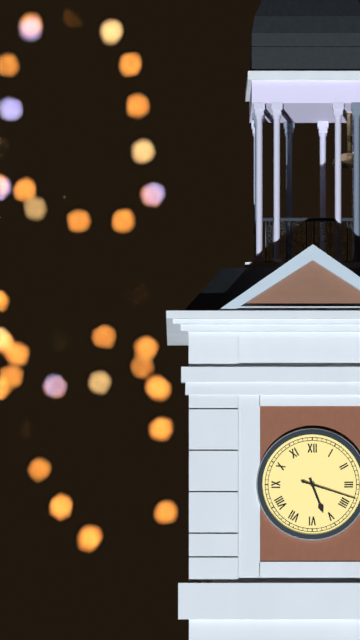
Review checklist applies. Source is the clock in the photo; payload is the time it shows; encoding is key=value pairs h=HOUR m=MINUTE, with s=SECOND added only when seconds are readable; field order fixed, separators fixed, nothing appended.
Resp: h=5 m=18
